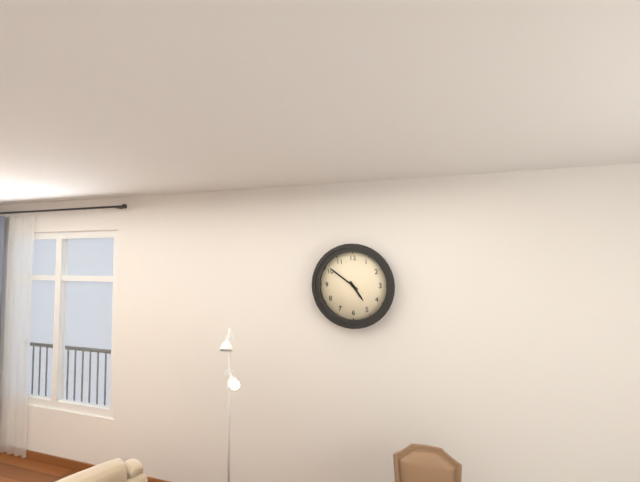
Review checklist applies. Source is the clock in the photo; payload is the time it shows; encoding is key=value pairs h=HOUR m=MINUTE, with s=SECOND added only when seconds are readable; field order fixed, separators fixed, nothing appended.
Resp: h=4 m=51
